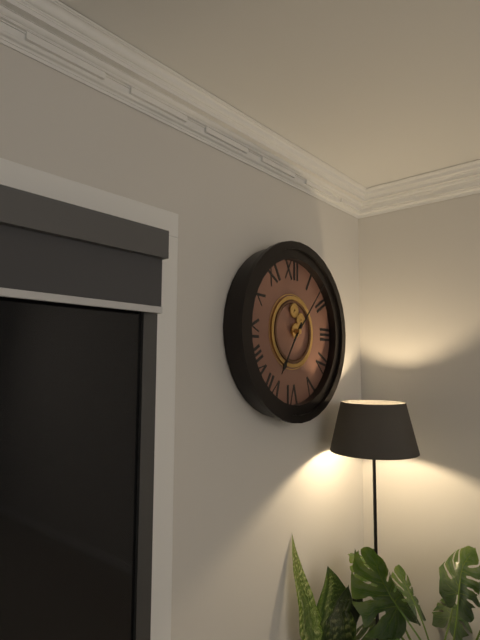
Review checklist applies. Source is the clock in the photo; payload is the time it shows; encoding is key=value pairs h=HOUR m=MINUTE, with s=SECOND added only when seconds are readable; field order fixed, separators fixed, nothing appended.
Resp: h=7 m=7
